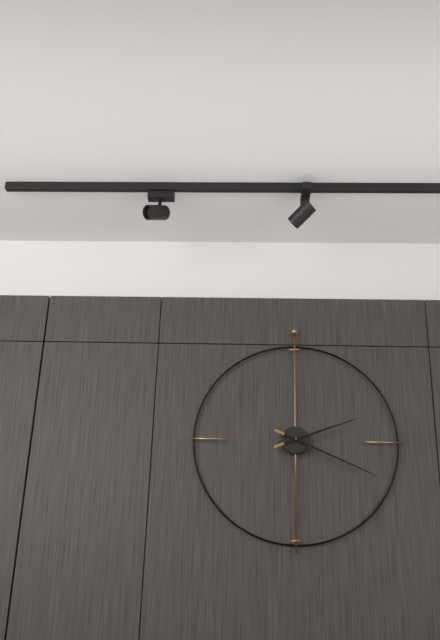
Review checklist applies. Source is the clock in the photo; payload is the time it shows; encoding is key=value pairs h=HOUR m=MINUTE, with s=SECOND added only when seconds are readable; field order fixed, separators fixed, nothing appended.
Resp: h=2 m=19
